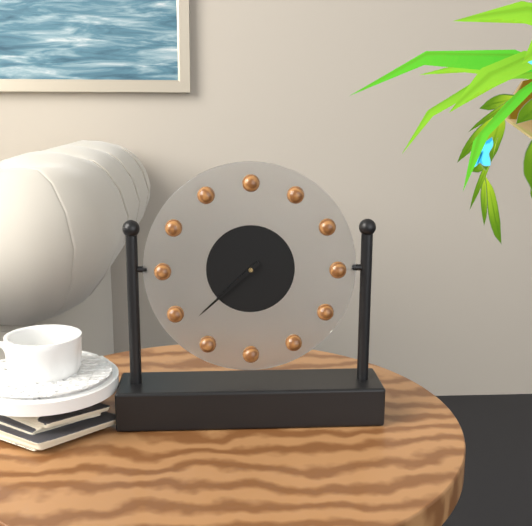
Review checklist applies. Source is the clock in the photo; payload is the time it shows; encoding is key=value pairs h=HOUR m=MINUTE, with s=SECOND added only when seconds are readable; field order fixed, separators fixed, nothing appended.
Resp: h=7 m=38
